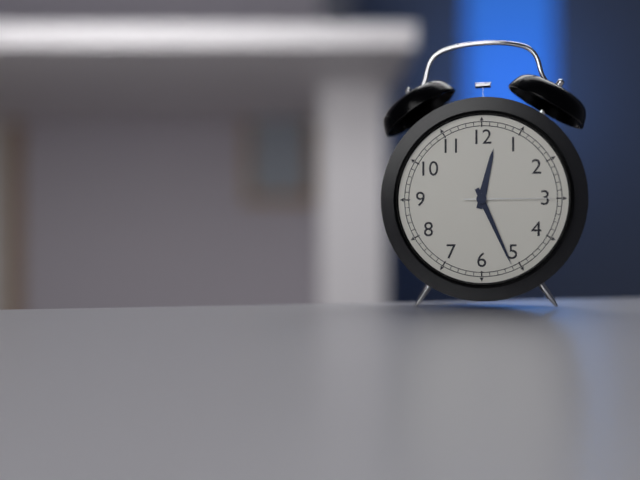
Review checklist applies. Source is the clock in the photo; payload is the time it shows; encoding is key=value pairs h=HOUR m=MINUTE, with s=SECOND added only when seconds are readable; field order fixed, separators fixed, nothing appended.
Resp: h=12 m=26 s=15
